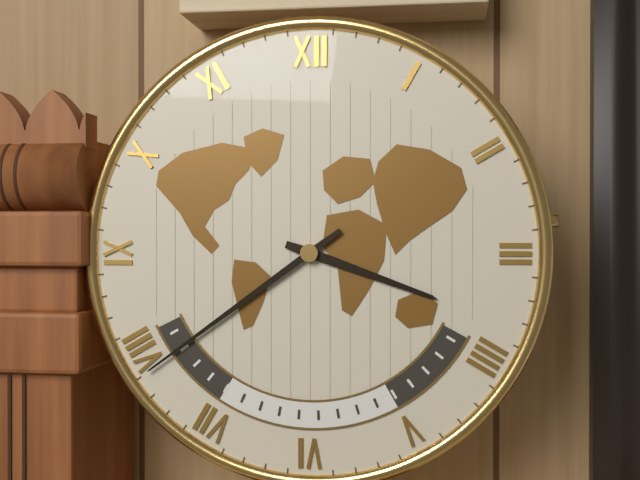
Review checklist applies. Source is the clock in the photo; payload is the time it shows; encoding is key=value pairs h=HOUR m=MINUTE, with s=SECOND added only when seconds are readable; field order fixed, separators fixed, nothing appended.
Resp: h=3 m=39
